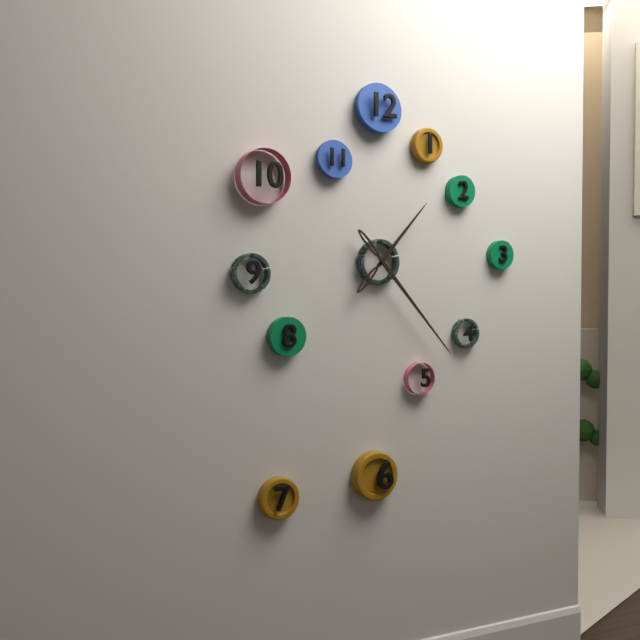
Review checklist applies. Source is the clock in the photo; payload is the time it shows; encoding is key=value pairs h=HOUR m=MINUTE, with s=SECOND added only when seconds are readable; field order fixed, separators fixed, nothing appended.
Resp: h=1 m=23
